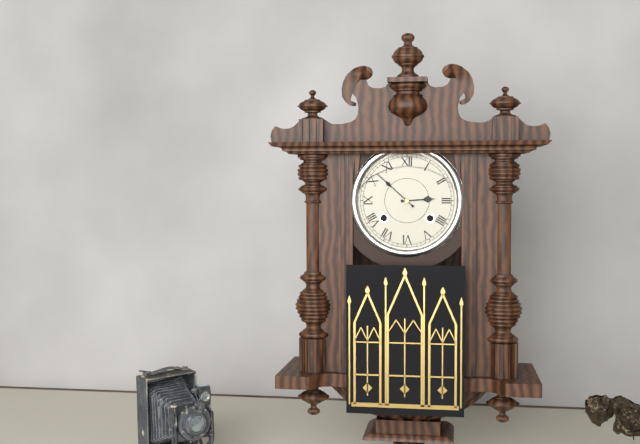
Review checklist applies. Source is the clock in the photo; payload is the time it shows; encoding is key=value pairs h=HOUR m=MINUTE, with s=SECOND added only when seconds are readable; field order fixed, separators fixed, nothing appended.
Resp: h=2 m=52
